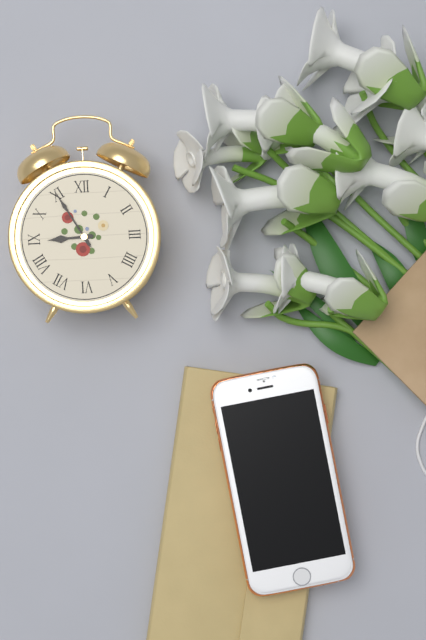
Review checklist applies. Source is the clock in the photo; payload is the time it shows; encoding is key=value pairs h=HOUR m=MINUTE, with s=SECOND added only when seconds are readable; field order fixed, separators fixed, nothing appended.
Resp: h=8 m=55
